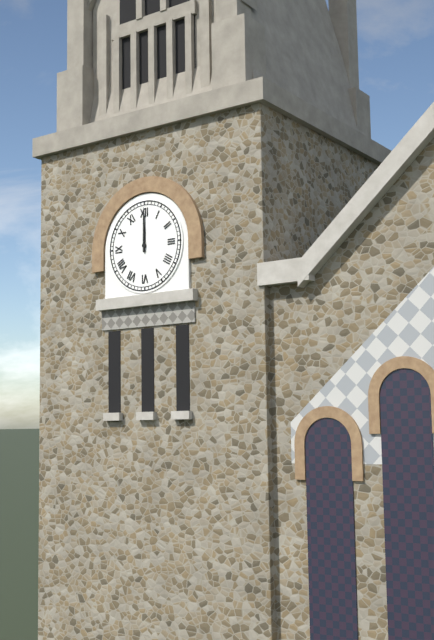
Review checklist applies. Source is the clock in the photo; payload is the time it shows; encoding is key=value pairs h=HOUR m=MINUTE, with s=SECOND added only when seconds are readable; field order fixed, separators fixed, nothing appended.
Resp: h=12 m=0
